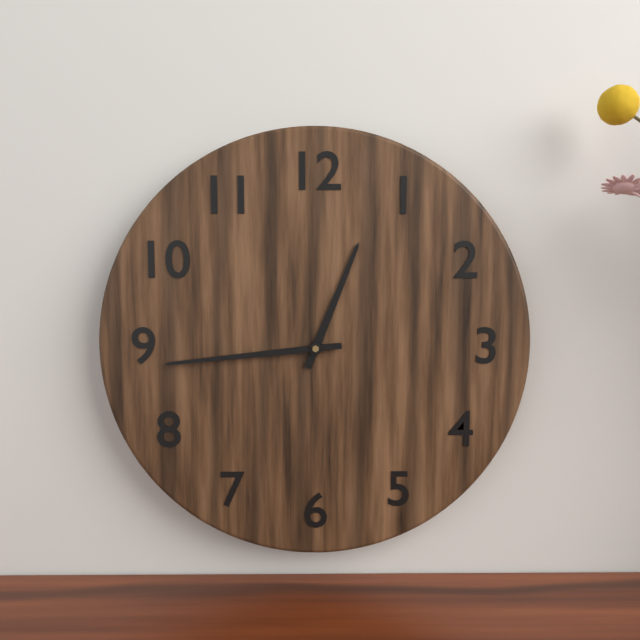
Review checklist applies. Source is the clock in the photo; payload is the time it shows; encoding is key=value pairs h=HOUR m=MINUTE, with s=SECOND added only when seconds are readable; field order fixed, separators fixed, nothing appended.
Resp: h=12 m=44
